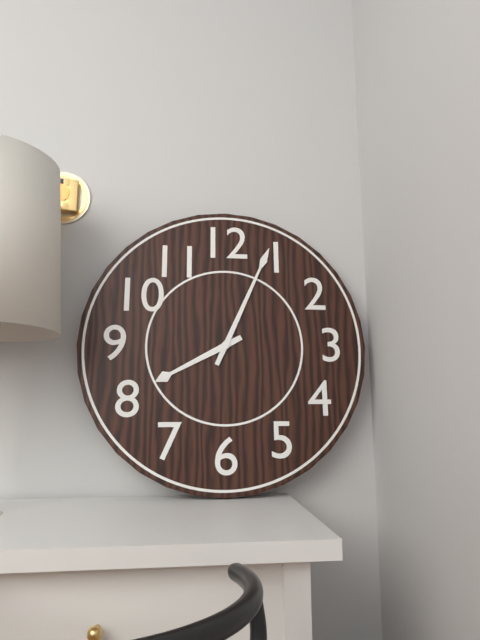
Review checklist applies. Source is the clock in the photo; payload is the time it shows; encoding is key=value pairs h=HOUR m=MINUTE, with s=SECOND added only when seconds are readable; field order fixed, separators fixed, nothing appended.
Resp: h=8 m=4
